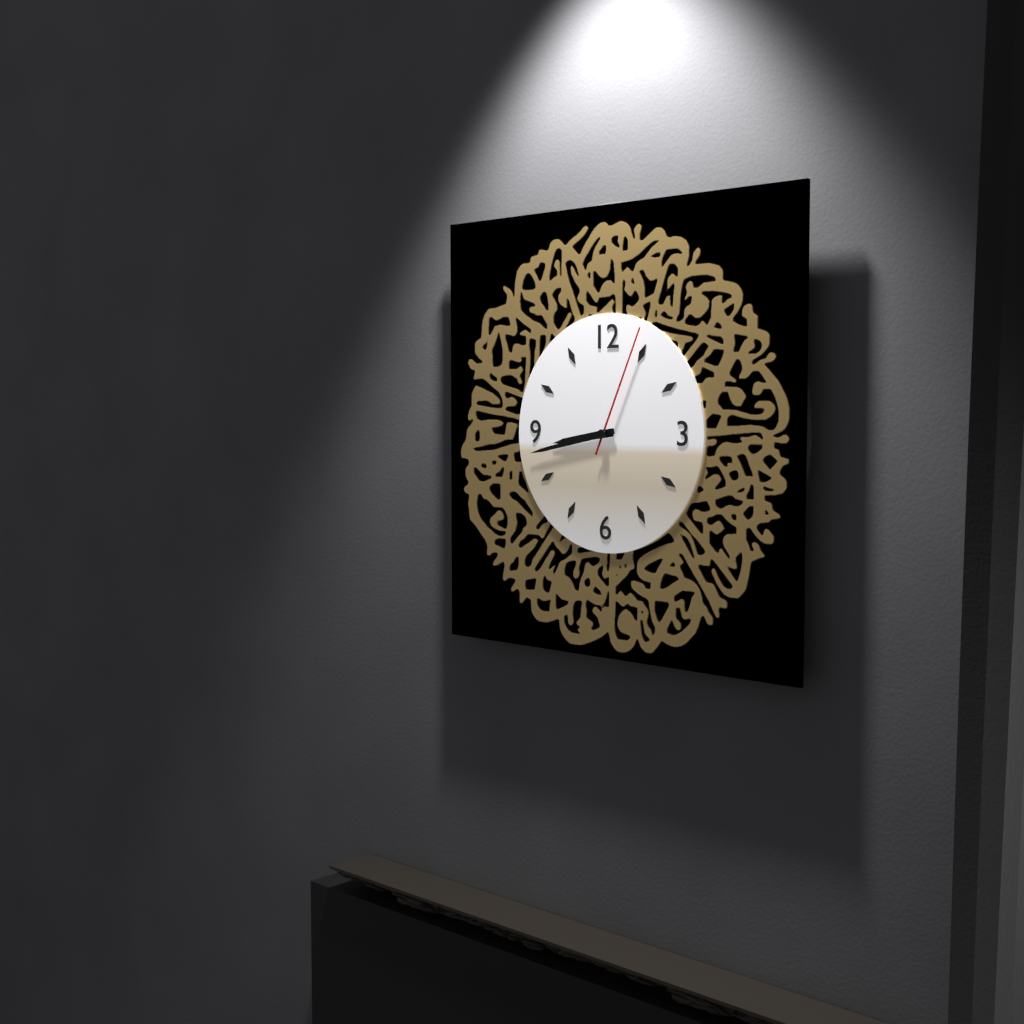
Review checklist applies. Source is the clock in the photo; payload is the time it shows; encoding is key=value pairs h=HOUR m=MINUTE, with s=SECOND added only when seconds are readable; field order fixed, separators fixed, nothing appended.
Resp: h=8 m=43 s=4
